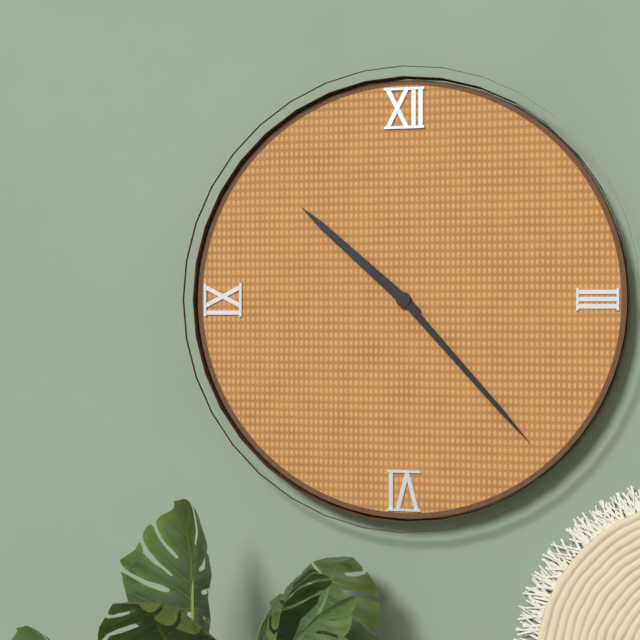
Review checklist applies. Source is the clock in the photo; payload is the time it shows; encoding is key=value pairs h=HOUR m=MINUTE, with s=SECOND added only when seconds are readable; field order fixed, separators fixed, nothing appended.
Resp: h=10 m=23
